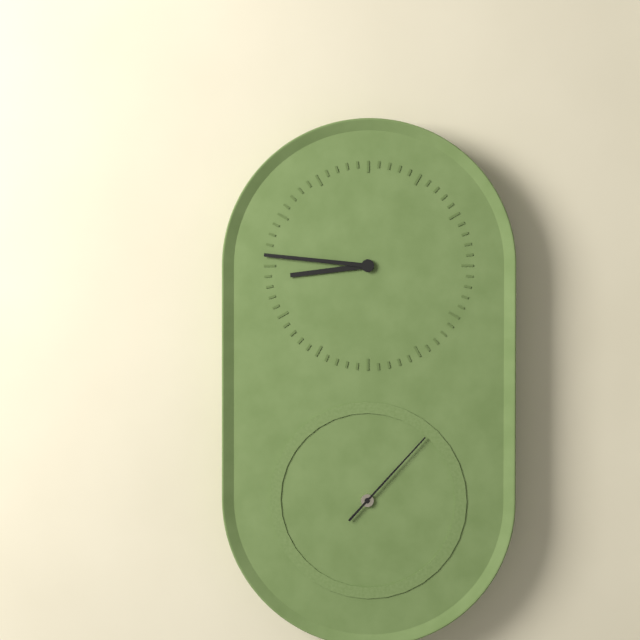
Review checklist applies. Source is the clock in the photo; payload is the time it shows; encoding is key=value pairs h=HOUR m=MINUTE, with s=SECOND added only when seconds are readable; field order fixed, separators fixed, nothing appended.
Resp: h=8 m=46 s=7
